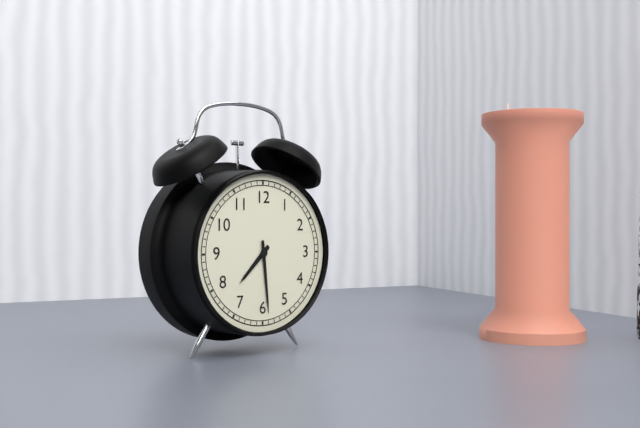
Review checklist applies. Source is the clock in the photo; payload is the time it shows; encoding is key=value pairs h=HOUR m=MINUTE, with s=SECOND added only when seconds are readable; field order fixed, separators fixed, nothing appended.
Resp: h=7 m=29
